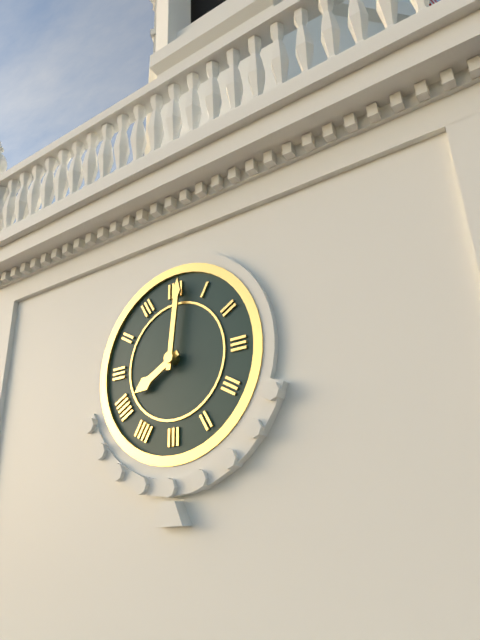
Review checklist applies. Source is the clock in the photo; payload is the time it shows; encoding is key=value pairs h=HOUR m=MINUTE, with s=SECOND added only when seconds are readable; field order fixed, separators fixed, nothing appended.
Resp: h=8 m=1
